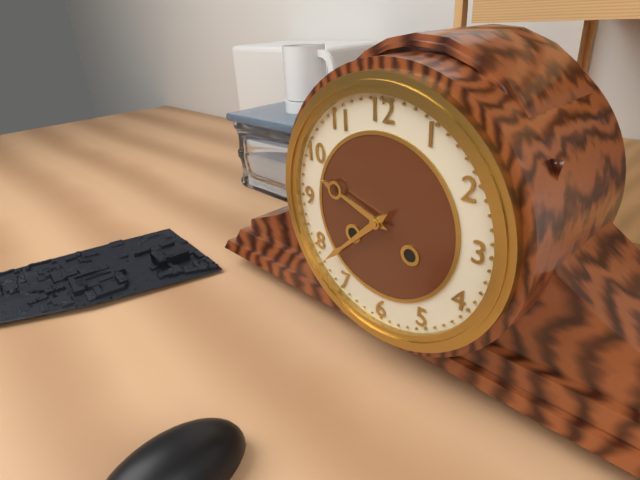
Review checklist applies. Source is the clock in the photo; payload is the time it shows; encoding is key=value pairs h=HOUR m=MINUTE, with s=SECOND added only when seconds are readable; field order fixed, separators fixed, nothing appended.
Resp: h=9 m=38
